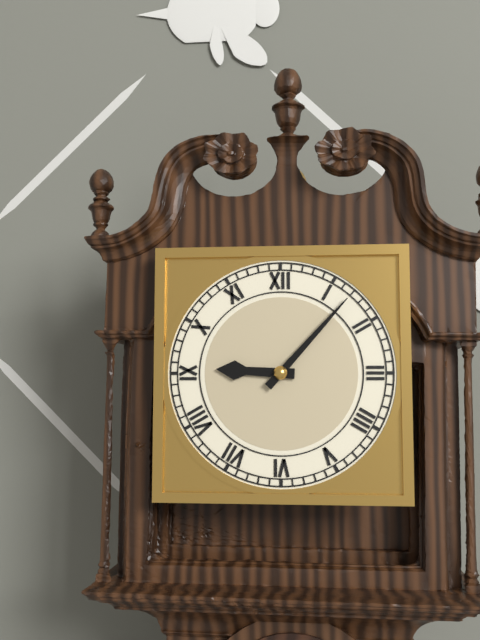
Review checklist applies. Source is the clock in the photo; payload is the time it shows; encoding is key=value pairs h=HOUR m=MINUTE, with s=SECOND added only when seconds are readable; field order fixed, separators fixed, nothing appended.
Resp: h=9 m=7
